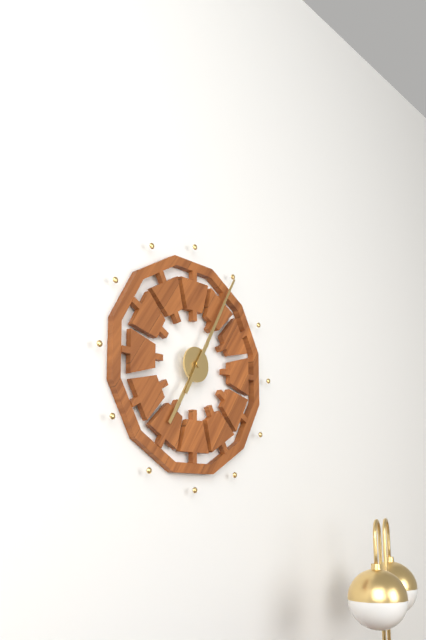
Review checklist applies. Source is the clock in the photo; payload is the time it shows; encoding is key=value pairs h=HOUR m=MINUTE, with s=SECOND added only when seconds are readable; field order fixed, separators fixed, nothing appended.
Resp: h=7 m=5
